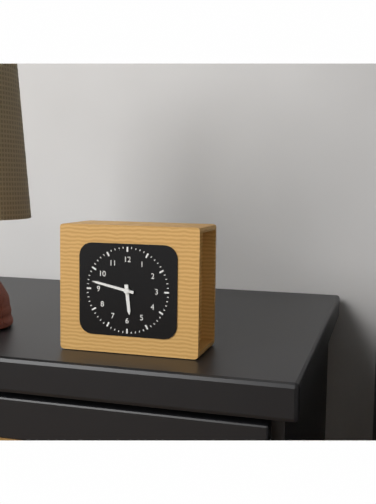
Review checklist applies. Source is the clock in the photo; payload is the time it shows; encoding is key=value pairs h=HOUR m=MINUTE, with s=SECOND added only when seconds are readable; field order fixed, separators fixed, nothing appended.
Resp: h=5 m=47
